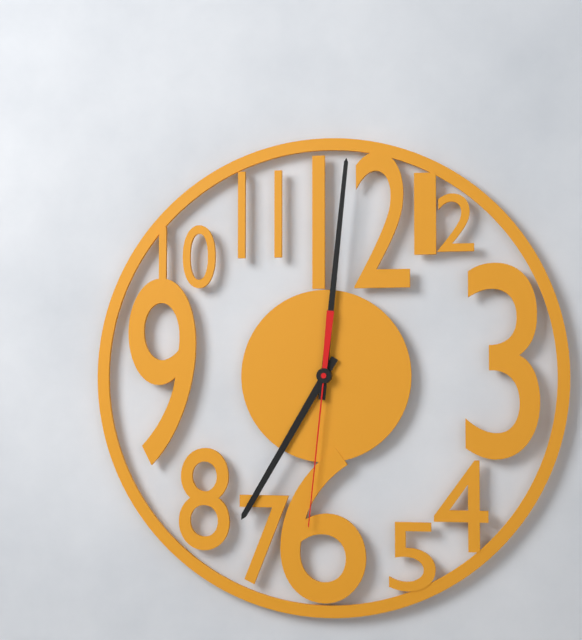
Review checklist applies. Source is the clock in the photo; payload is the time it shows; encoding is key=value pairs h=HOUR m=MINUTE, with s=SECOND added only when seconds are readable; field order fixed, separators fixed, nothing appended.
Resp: h=7 m=1 s=31
